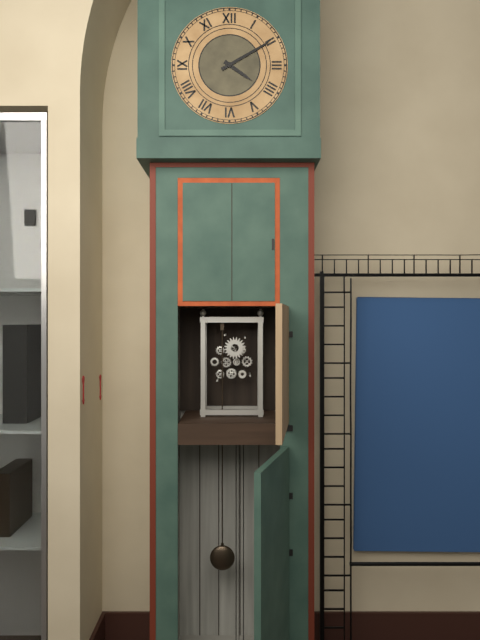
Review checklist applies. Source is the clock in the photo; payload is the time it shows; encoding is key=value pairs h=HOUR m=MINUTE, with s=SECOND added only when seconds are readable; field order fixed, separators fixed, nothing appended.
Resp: h=4 m=10
